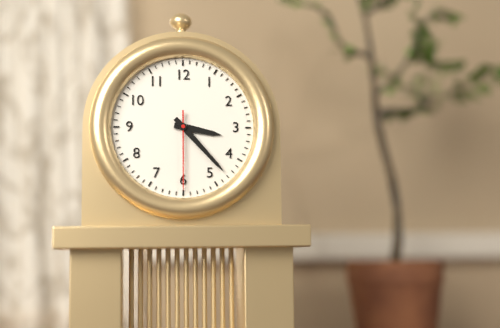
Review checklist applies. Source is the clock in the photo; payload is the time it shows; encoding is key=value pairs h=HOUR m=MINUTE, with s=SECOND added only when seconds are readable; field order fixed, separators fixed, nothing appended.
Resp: h=3 m=23 s=30
